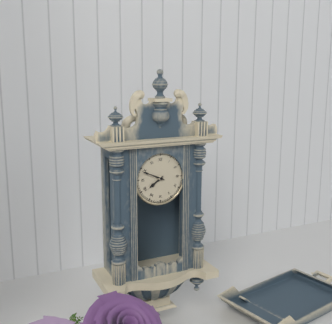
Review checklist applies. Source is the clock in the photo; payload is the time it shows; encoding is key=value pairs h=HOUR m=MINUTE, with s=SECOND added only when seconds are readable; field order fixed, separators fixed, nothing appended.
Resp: h=7 m=49
